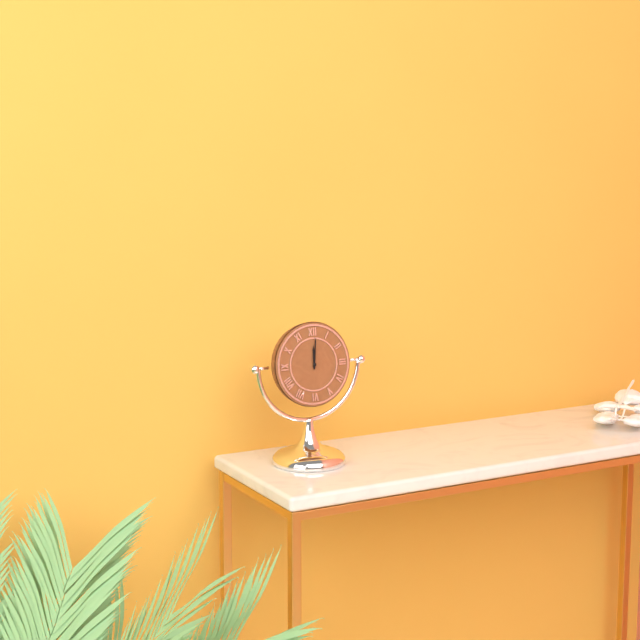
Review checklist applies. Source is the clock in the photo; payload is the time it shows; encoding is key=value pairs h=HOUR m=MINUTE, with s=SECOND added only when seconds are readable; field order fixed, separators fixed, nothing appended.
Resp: h=12 m=1
